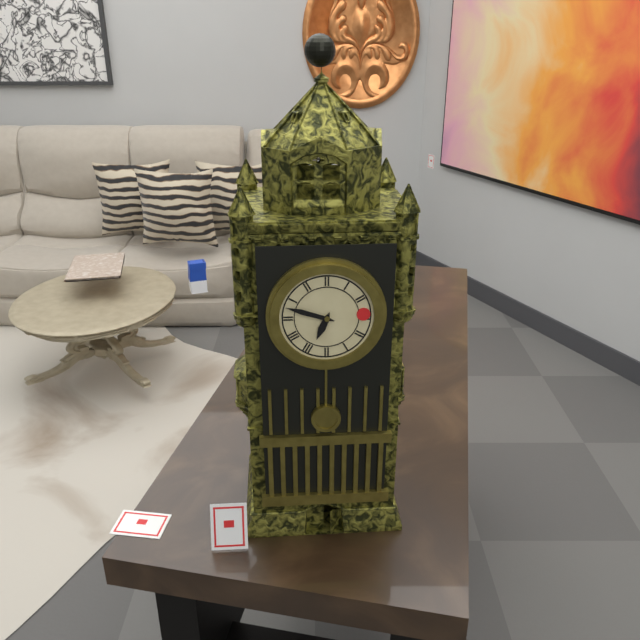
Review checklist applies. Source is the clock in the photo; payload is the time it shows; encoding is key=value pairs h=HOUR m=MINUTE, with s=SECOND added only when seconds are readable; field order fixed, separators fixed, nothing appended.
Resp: h=6 m=48
